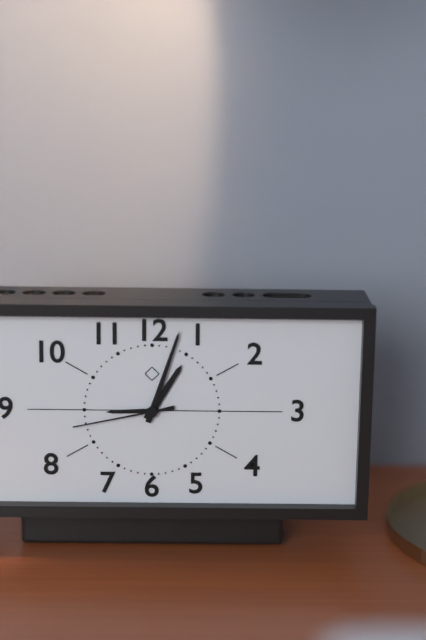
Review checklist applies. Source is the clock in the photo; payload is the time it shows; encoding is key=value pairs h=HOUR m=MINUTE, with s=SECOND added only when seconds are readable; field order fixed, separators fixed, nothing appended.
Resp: h=1 m=3 s=43
